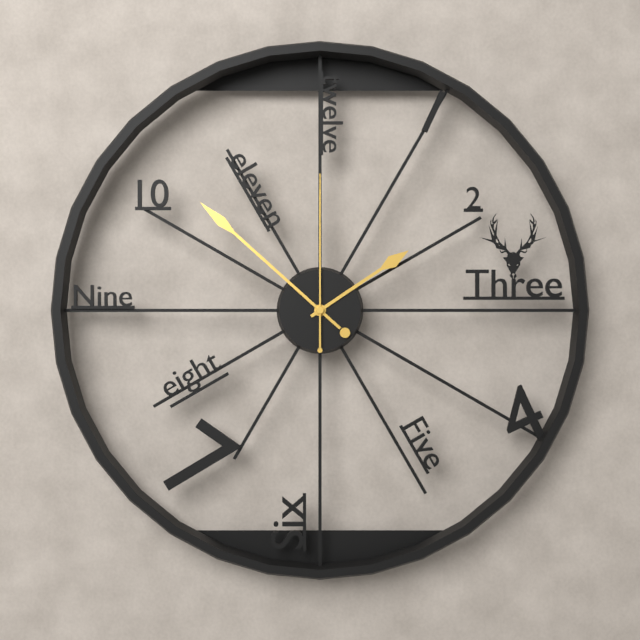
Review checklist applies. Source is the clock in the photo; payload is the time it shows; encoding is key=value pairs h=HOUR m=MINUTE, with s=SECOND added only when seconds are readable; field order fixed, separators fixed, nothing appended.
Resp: h=1 m=52 s=0
